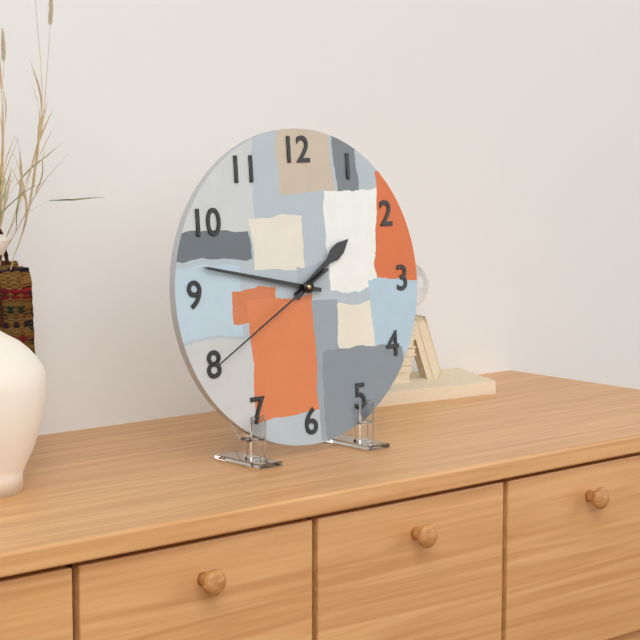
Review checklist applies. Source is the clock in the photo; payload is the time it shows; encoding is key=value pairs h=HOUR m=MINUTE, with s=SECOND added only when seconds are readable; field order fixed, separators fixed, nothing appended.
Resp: h=1 m=47 s=40
